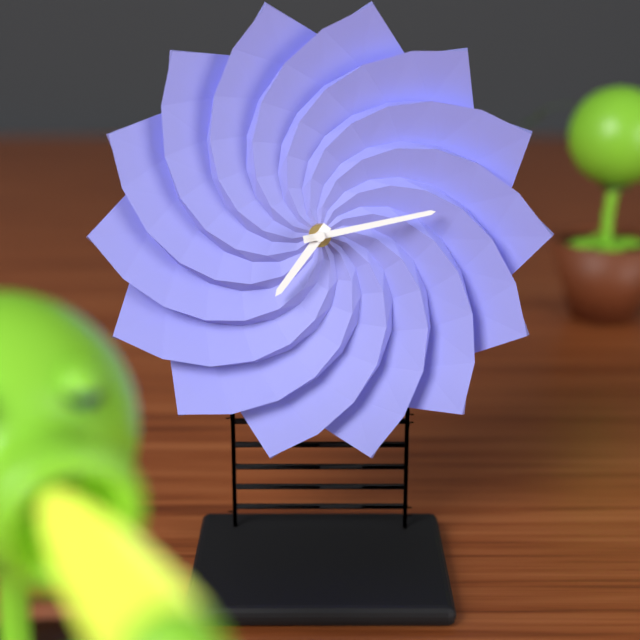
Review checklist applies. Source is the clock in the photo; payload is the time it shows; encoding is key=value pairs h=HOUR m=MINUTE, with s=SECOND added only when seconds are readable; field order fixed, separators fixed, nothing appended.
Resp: h=7 m=13
